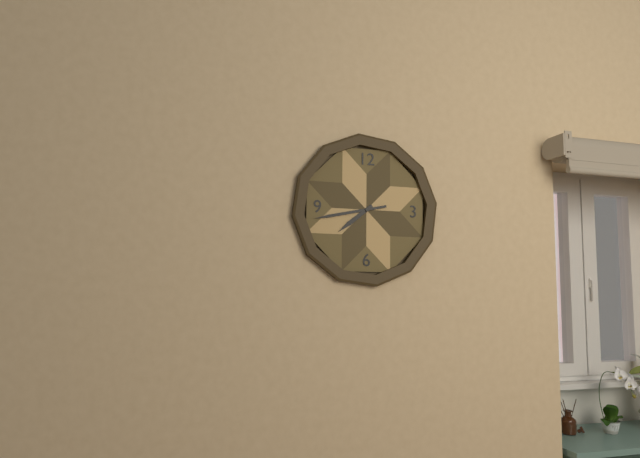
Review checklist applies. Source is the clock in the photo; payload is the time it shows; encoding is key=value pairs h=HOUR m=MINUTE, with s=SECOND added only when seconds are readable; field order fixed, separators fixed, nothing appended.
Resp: h=7 m=43
